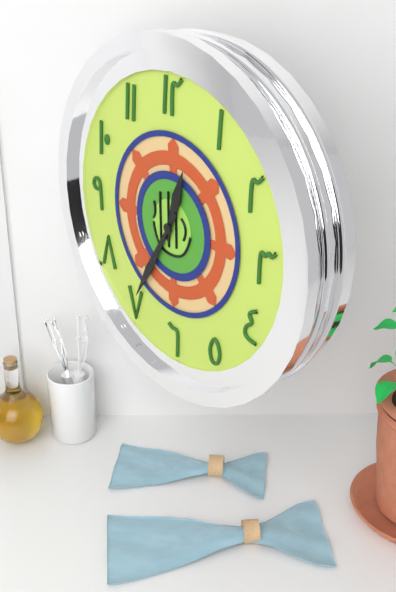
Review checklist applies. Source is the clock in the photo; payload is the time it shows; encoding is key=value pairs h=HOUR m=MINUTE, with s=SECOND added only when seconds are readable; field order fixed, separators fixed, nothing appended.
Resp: h=12 m=35
